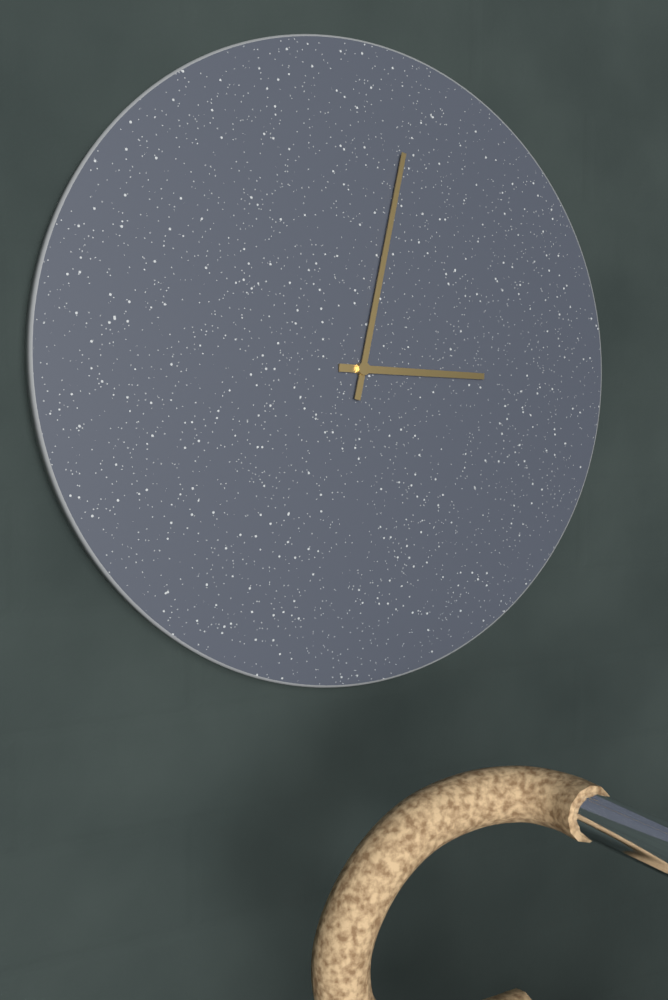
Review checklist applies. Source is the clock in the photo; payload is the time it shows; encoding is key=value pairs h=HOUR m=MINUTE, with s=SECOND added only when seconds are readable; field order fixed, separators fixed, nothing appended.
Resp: h=3 m=2
